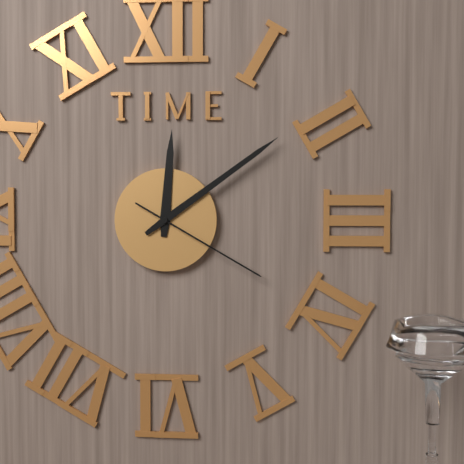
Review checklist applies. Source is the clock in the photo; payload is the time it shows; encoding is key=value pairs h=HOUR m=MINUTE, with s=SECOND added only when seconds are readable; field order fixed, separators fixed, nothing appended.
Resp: h=12 m=9 s=20
